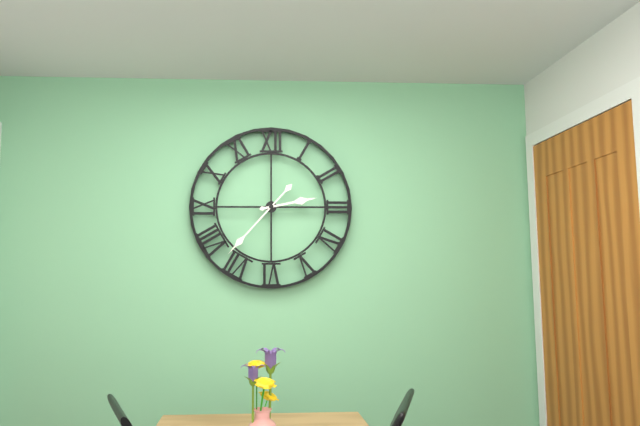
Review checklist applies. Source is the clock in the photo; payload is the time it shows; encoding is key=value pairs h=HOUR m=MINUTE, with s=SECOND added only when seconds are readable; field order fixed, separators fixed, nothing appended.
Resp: h=2 m=37
